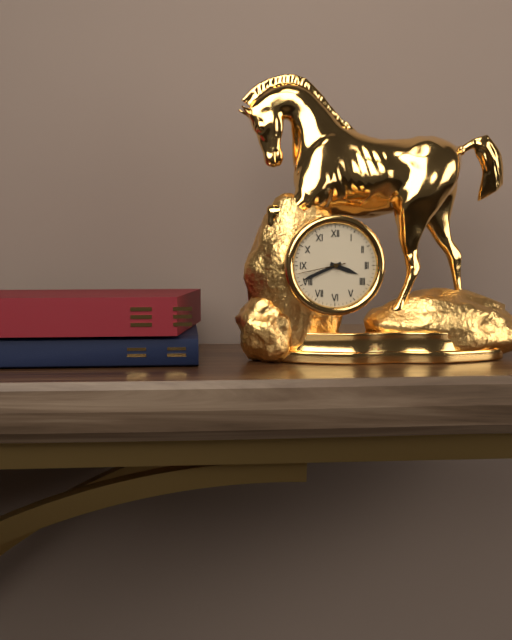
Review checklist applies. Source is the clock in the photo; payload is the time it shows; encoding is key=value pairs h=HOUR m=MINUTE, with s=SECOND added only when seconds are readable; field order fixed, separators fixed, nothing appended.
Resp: h=3 m=41
